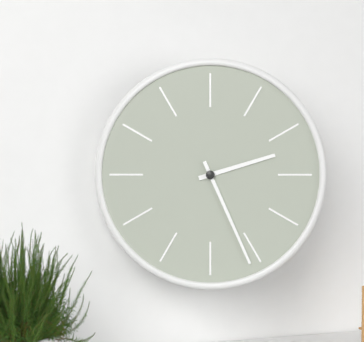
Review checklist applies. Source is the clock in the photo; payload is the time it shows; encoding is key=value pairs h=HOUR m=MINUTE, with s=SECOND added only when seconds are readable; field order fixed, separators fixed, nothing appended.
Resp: h=2 m=26
